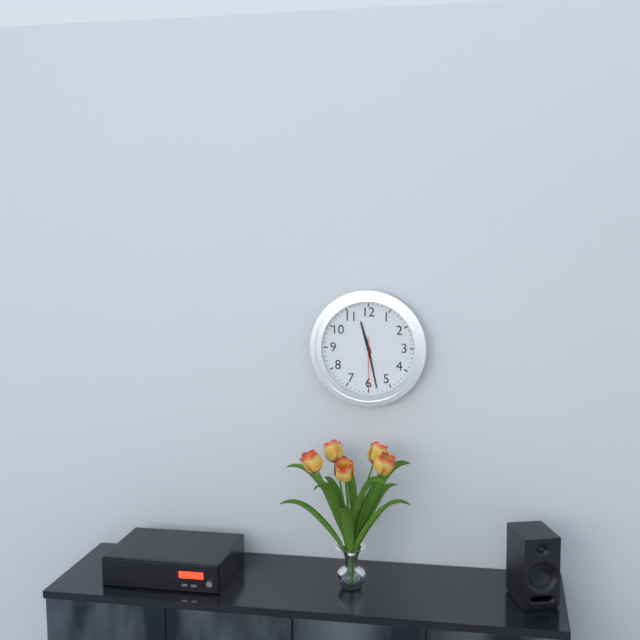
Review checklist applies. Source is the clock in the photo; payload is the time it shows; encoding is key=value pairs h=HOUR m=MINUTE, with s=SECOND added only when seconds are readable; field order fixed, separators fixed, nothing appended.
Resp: h=11 m=28 s=30
